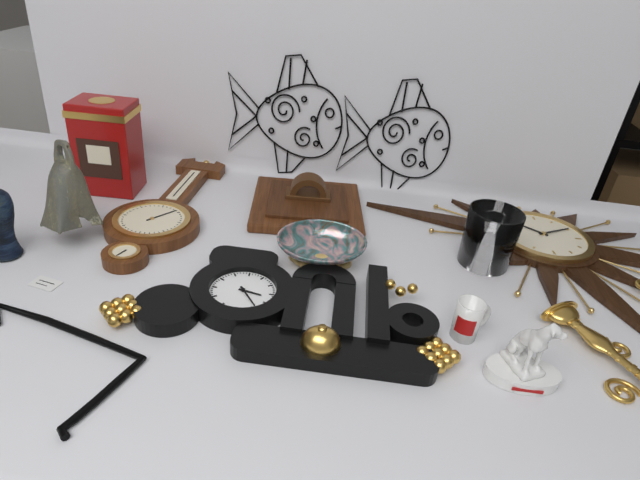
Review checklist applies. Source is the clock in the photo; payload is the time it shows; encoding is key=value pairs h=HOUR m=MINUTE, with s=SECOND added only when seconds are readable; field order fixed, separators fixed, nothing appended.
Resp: h=3 m=24
